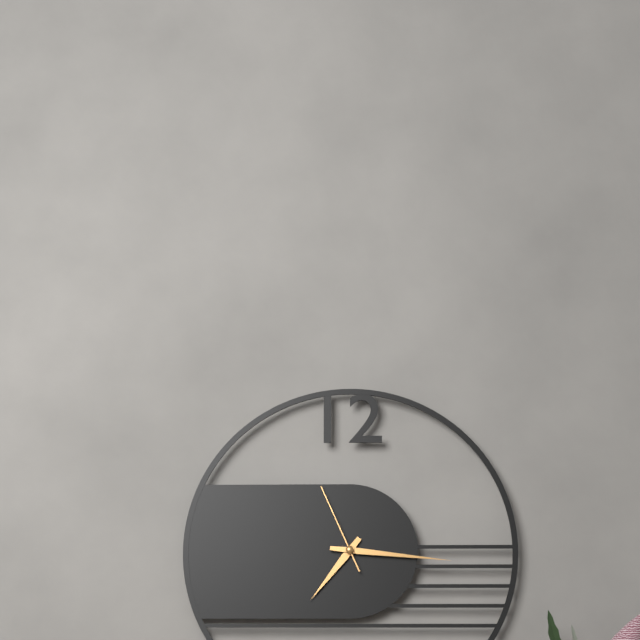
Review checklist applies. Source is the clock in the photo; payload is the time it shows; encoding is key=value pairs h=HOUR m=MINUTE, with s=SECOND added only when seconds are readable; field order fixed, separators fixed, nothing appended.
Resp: h=7 m=16 s=56
